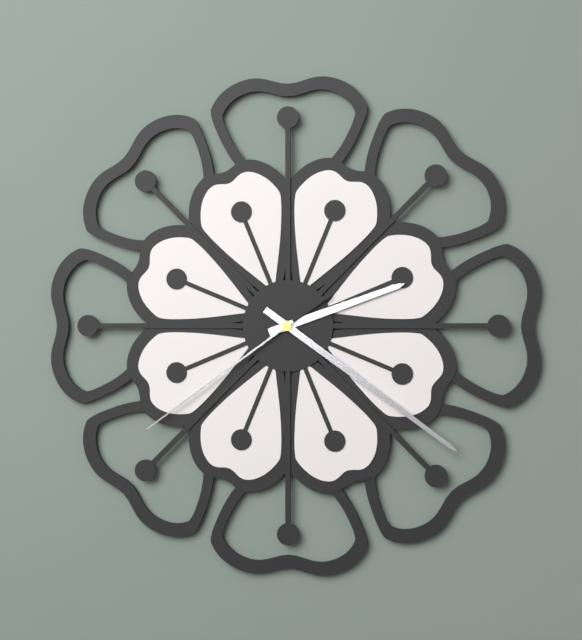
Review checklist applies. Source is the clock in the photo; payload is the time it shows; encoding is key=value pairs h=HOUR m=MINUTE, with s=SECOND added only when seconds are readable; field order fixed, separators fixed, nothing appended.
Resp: h=2 m=21 s=39
